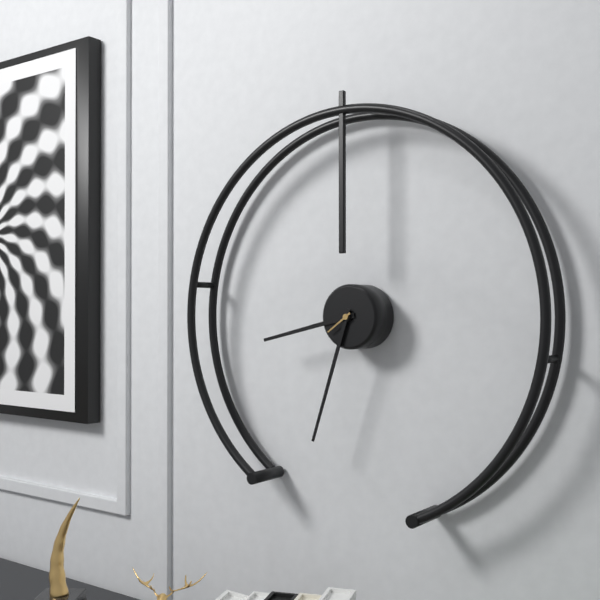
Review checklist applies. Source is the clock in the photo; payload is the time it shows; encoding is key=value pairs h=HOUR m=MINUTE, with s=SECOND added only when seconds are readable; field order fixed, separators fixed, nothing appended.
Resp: h=8 m=33
